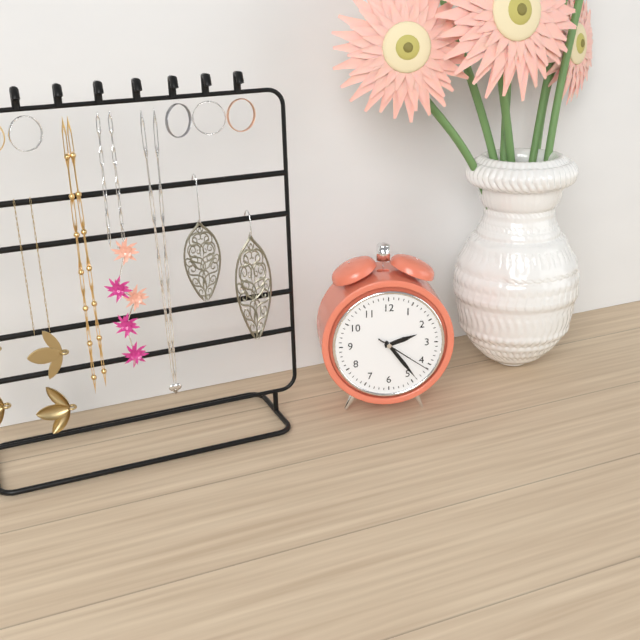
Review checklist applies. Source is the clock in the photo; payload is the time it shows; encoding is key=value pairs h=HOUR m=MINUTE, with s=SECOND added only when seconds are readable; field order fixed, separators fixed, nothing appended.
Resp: h=2 m=24 s=21
